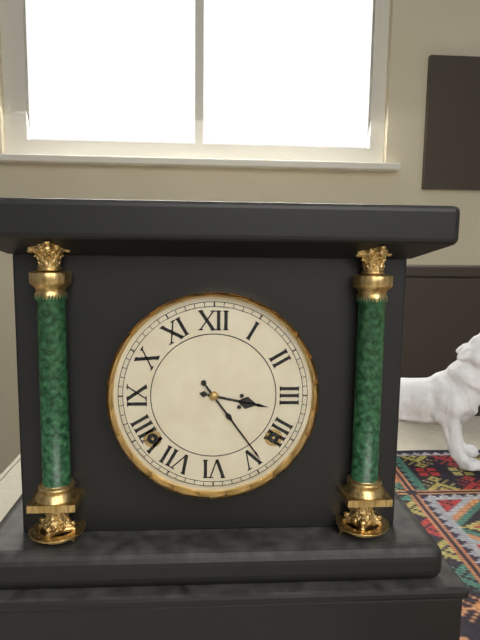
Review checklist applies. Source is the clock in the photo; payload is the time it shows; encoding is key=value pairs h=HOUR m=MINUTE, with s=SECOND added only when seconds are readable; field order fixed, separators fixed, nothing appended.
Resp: h=3 m=24
